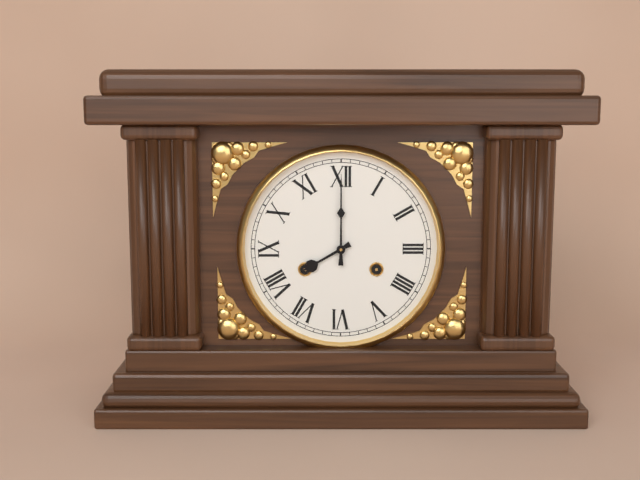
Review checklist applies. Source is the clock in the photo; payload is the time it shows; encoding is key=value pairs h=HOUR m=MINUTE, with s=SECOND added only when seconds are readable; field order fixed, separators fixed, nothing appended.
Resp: h=8 m=0
